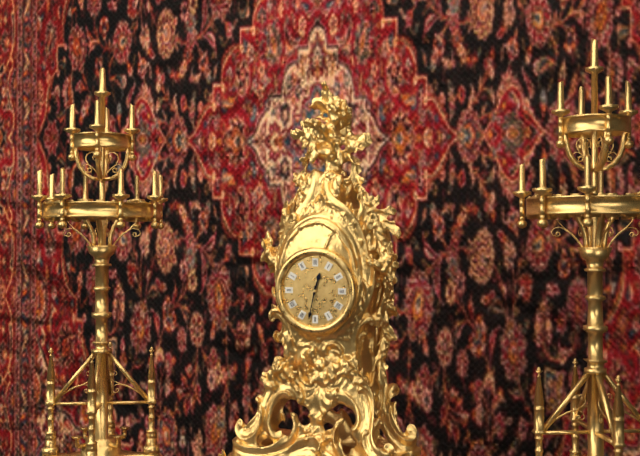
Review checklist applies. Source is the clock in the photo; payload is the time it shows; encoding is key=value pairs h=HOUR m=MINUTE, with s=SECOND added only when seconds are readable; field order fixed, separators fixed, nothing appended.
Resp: h=12 m=32
